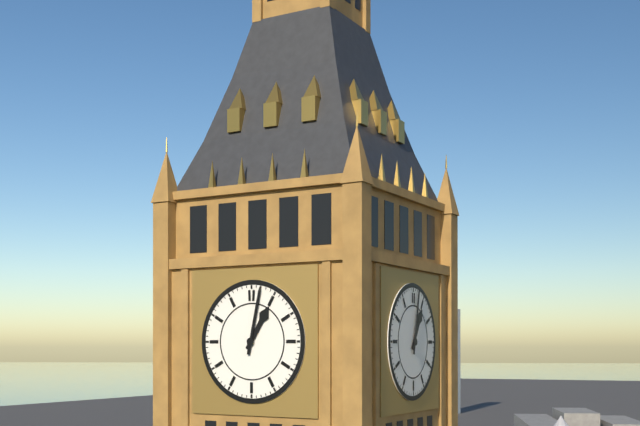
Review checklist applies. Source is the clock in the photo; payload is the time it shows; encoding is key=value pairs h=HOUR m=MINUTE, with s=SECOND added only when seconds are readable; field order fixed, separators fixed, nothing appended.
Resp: h=1 m=2
